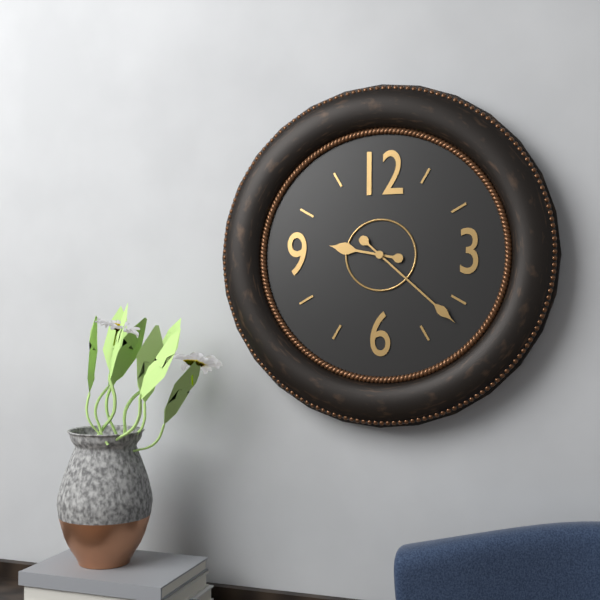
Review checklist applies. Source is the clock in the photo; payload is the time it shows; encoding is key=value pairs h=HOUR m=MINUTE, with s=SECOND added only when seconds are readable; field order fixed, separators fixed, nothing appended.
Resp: h=9 m=22
